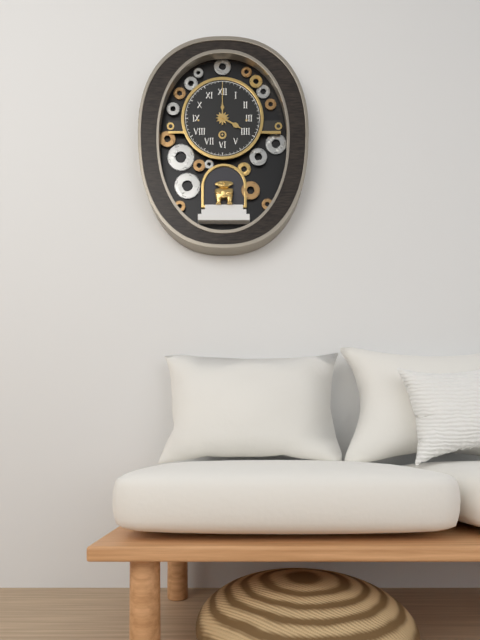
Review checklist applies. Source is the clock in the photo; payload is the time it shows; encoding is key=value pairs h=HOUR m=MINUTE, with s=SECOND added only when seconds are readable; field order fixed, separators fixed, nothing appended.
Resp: h=4 m=0
